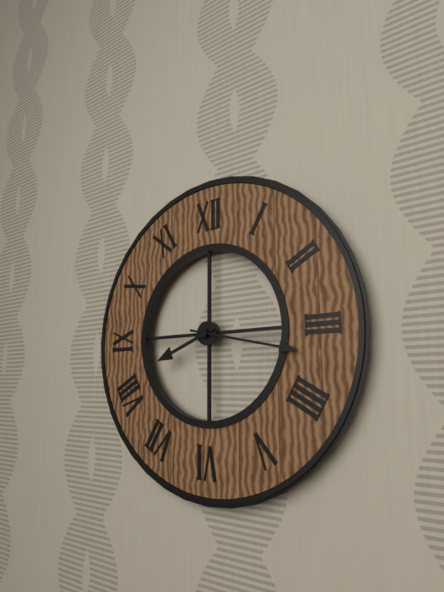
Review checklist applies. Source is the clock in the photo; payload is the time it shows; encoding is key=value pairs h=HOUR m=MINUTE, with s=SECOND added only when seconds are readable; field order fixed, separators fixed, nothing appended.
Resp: h=8 m=17
